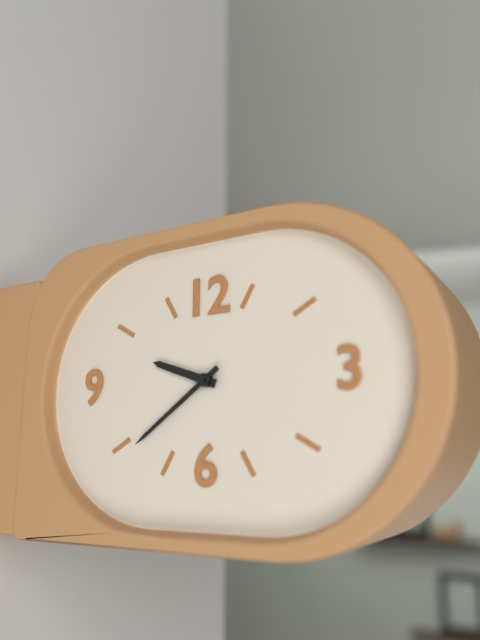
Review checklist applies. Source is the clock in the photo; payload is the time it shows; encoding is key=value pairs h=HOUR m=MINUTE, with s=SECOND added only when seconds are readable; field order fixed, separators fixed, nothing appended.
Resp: h=9 m=39
